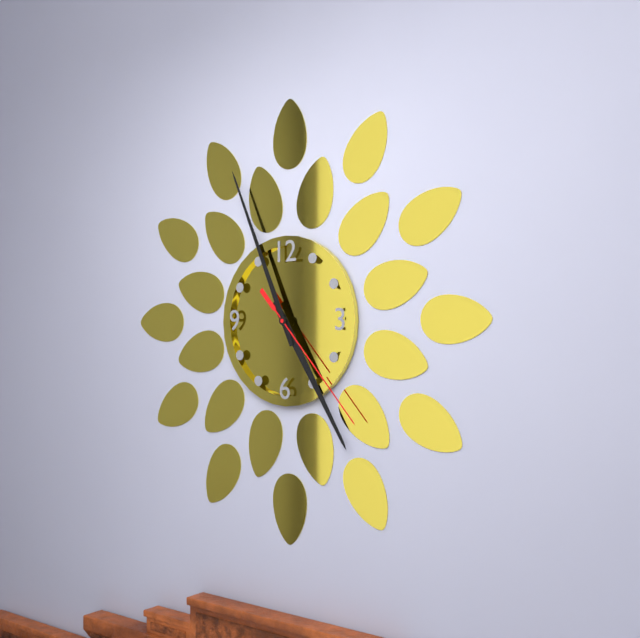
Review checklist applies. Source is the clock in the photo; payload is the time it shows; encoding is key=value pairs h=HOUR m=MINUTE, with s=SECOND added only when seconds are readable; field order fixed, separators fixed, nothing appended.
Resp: h=4 m=56 s=23
